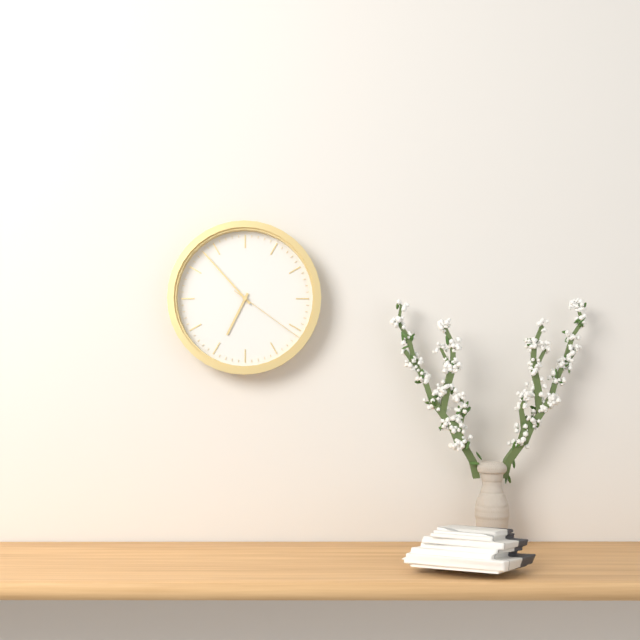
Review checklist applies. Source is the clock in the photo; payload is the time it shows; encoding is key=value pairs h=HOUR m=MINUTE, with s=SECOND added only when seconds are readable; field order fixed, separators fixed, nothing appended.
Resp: h=6 m=53 s=21
